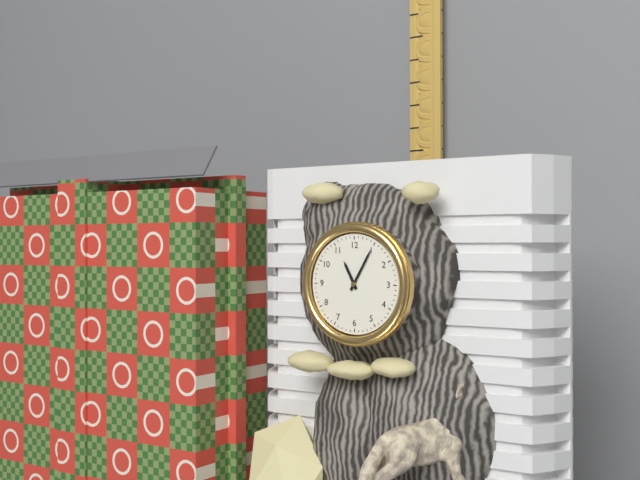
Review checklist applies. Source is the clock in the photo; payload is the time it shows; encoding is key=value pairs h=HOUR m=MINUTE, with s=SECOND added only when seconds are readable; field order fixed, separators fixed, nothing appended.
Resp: h=11 m=5
